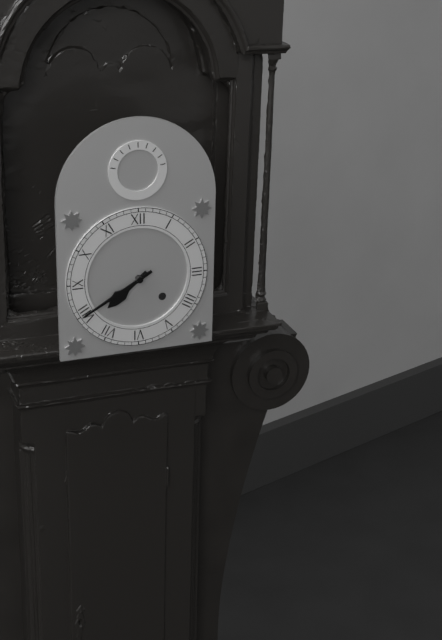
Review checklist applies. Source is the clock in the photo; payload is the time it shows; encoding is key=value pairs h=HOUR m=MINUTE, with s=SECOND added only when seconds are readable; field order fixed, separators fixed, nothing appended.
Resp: h=7 m=40
